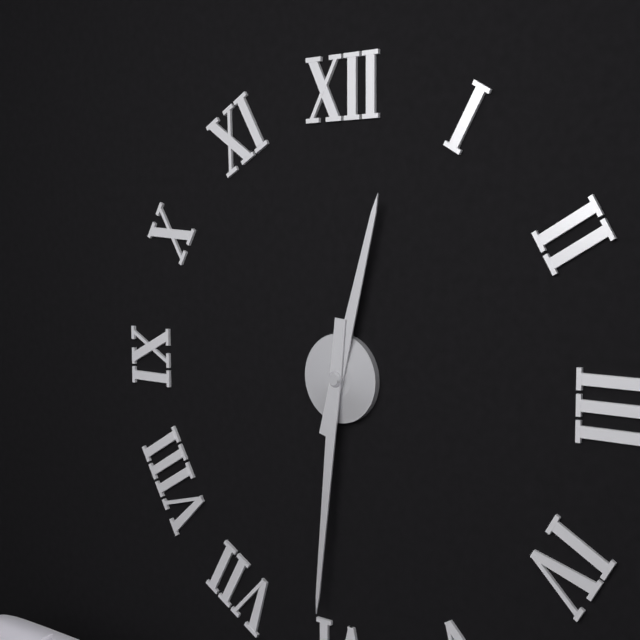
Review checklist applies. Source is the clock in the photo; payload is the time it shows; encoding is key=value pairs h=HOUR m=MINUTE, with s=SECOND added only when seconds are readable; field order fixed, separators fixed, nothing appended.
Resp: h=12 m=31
